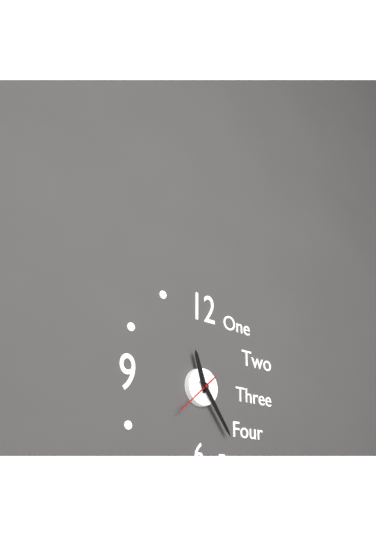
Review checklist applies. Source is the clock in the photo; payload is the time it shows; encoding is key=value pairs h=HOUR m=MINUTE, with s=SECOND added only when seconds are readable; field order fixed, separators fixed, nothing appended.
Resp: h=11 m=24
